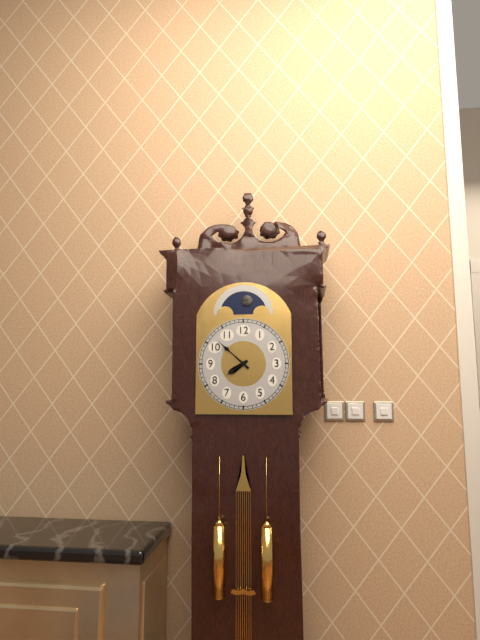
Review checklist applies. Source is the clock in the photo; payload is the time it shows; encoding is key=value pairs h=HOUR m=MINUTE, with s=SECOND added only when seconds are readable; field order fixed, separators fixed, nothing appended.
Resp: h=7 m=52
